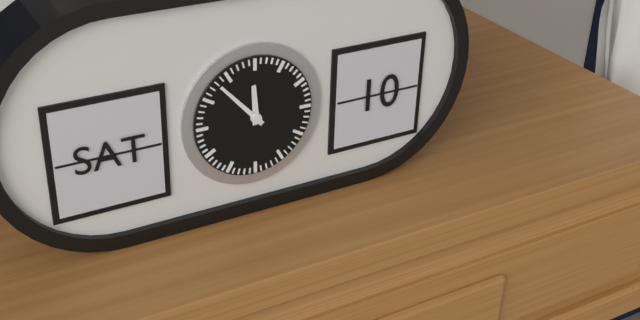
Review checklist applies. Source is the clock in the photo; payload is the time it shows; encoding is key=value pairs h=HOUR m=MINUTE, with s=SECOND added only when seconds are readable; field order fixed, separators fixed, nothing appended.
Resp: h=11 m=53
